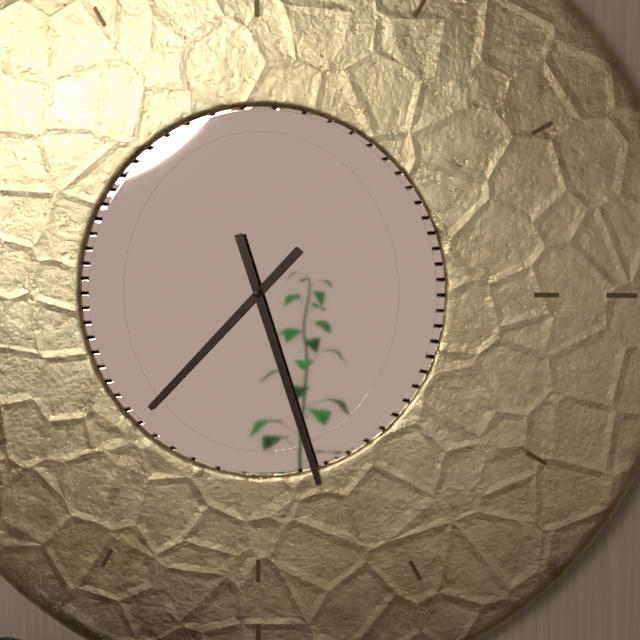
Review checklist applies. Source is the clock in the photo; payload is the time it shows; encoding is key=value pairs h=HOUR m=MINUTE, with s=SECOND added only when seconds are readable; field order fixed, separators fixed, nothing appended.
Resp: h=7 m=27
